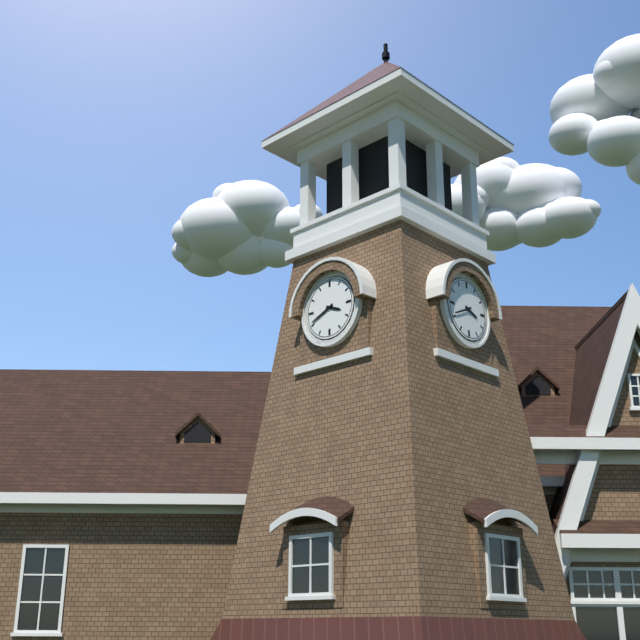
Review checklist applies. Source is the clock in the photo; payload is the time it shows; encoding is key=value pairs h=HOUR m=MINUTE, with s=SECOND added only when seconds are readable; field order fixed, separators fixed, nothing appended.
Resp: h=3 m=41
